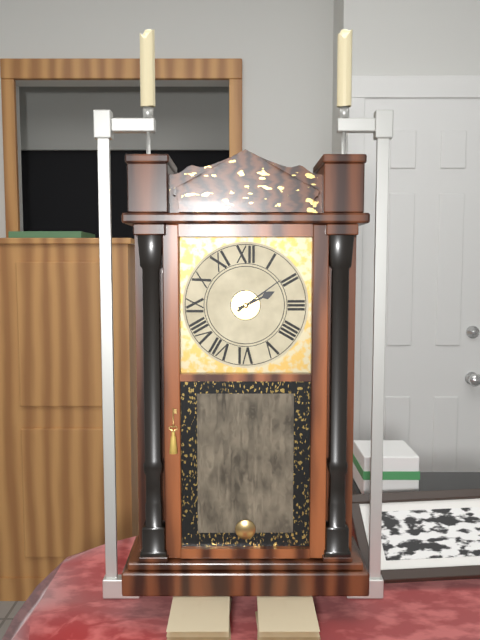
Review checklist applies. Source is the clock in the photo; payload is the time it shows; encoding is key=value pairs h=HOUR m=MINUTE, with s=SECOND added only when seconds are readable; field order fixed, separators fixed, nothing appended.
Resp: h=2 m=9
